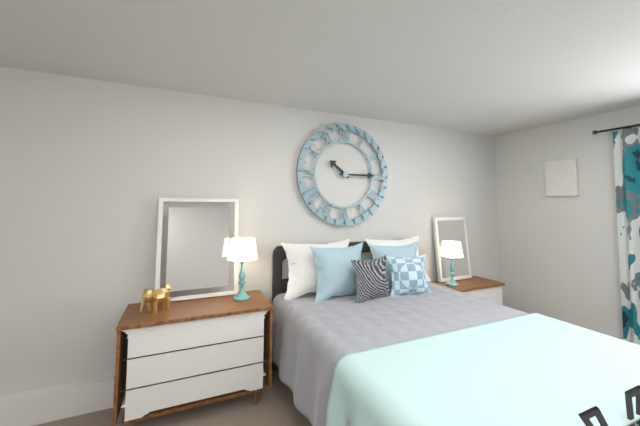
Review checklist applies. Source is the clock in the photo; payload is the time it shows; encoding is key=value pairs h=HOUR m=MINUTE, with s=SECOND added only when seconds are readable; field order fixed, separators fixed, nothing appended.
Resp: h=10 m=15
